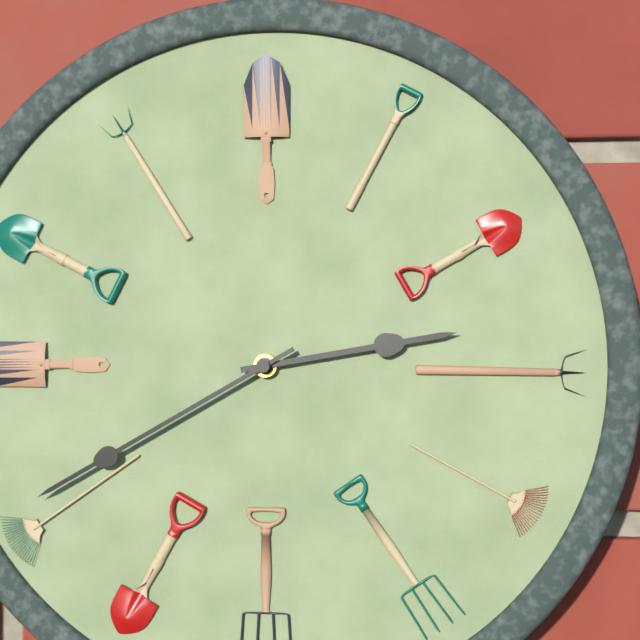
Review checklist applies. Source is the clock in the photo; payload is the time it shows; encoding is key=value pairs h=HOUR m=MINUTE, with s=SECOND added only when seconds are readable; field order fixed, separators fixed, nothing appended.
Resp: h=2 m=40
